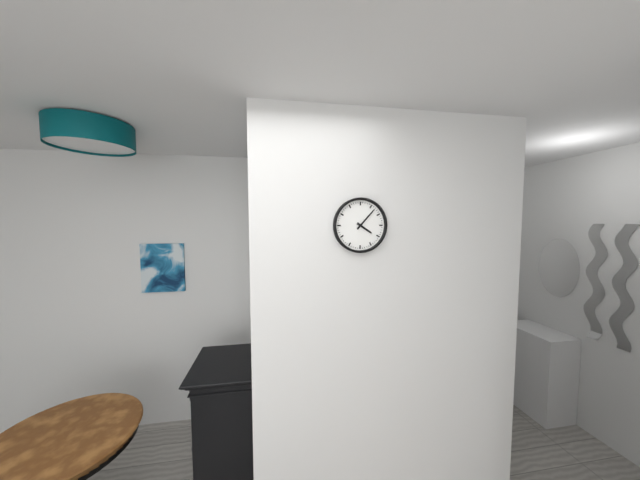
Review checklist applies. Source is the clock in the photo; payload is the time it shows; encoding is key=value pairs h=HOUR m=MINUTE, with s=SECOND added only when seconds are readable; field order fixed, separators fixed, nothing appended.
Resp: h=4 m=7
